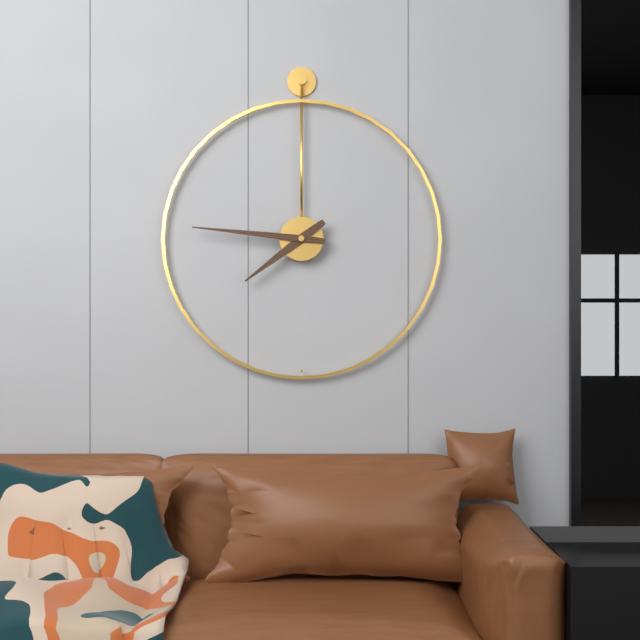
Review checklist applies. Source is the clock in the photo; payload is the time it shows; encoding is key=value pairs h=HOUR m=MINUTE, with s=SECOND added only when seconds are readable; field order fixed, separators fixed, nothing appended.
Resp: h=7 m=46
